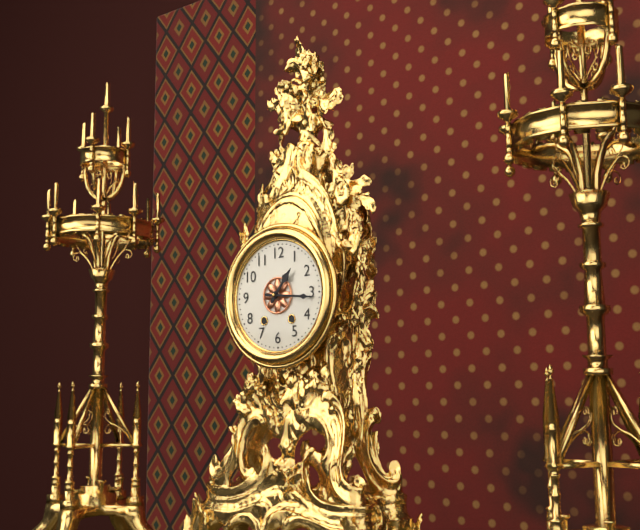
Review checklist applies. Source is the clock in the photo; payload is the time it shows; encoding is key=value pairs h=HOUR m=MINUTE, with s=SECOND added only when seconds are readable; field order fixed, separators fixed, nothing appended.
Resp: h=1 m=16
